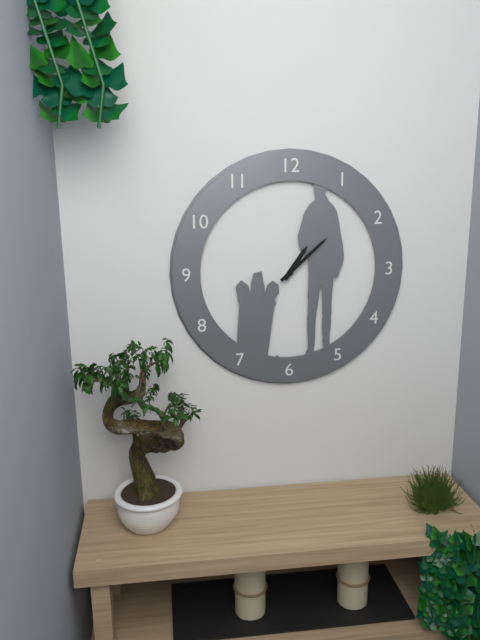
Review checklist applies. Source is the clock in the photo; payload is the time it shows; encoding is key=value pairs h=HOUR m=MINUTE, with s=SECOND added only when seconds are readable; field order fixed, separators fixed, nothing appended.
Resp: h=1 m=8
